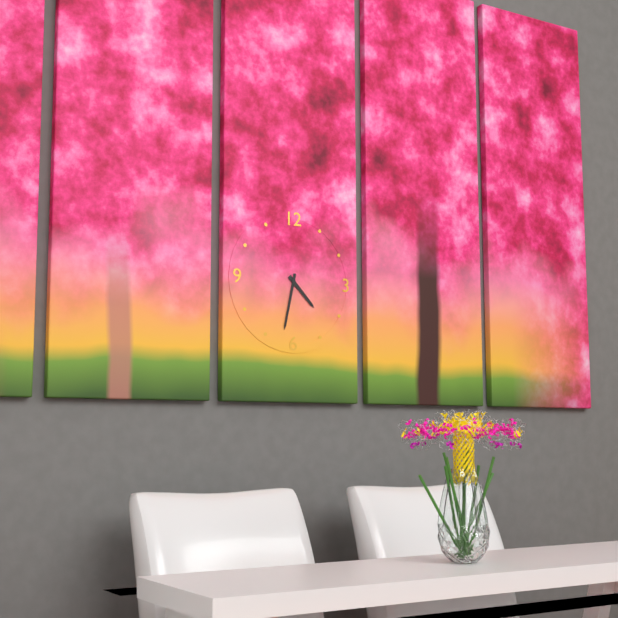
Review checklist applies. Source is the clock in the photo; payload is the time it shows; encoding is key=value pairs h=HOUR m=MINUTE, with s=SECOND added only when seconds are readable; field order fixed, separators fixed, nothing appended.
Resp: h=4 m=32
